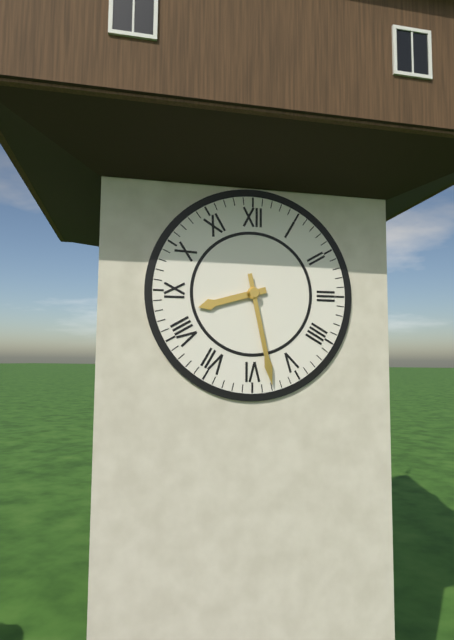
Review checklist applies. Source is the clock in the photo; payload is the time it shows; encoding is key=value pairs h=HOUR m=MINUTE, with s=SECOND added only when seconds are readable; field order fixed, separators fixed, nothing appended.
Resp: h=8 m=28
